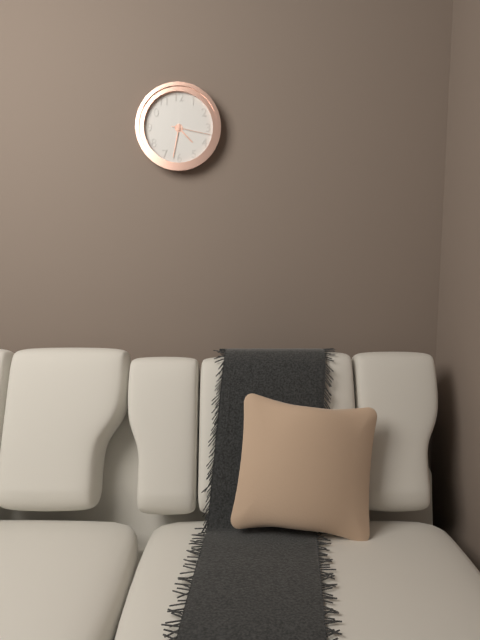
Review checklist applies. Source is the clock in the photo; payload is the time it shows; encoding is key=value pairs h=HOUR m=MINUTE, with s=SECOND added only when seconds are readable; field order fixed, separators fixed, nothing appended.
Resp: h=4 m=32
